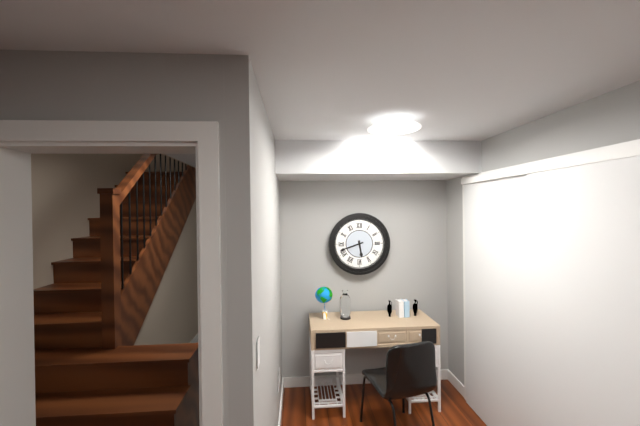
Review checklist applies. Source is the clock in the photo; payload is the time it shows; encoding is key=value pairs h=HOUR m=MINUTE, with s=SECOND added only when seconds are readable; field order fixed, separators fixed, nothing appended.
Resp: h=5 m=42
